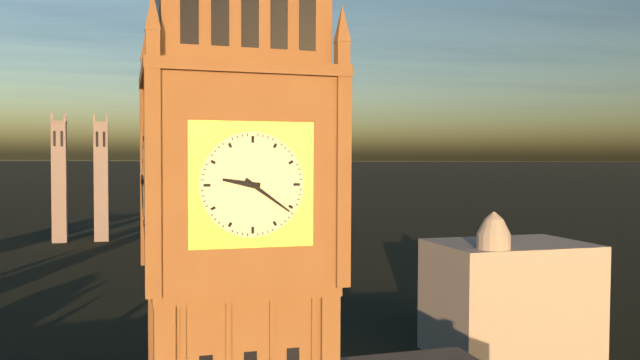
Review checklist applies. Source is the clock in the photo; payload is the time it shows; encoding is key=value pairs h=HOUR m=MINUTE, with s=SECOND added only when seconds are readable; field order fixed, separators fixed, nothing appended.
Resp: h=9 m=21
